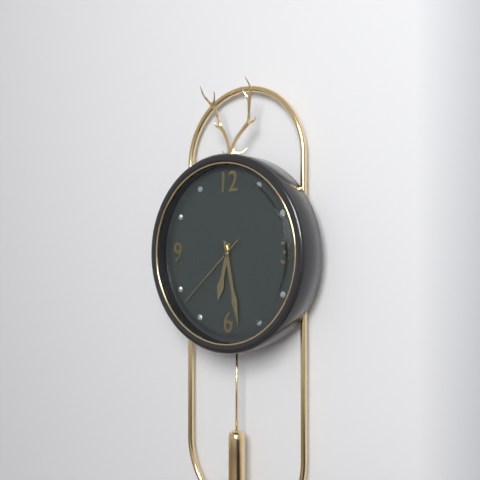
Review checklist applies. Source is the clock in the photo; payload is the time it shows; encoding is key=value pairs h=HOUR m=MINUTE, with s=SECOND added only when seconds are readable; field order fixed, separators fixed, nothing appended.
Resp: h=6 m=28 s=38
